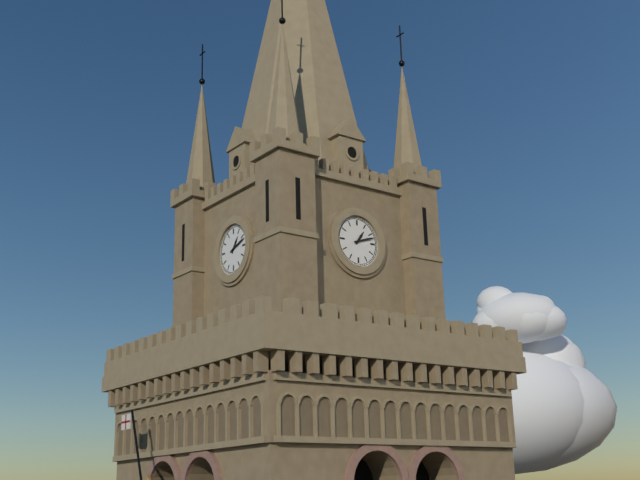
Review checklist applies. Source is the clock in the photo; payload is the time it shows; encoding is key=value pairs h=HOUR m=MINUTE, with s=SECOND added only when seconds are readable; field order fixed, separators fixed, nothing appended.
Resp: h=1 m=12
